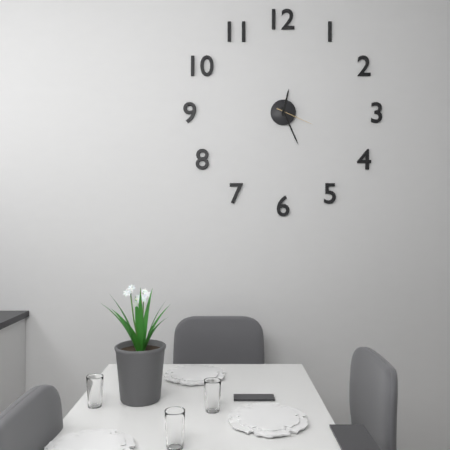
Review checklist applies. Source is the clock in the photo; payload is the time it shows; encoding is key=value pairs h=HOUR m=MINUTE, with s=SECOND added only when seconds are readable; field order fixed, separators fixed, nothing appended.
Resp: h=12 m=26
